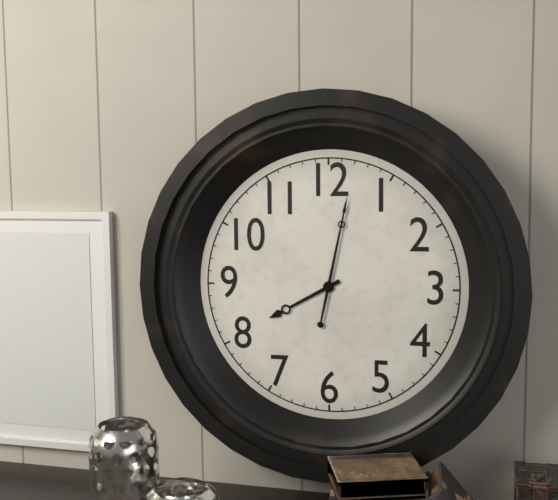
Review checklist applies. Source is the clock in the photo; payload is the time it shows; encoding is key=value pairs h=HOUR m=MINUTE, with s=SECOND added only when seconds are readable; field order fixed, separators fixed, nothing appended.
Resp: h=8 m=2
